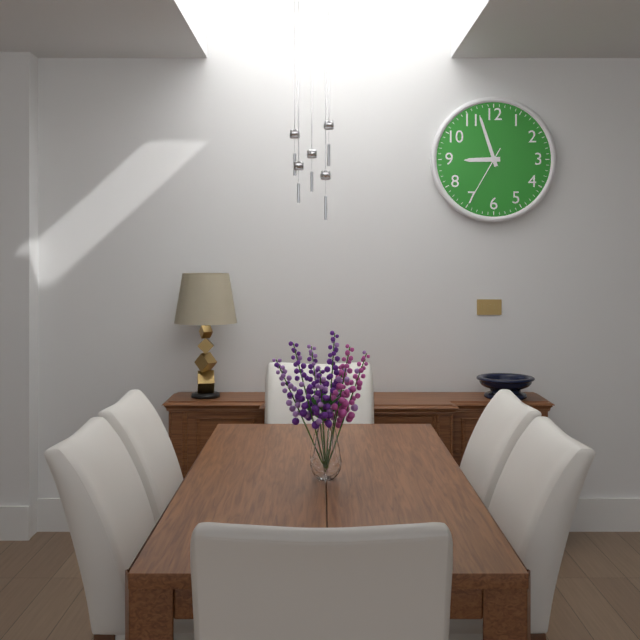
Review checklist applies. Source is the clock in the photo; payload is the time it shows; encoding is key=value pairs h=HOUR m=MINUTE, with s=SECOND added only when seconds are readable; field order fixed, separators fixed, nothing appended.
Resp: h=8 m=57 s=35
